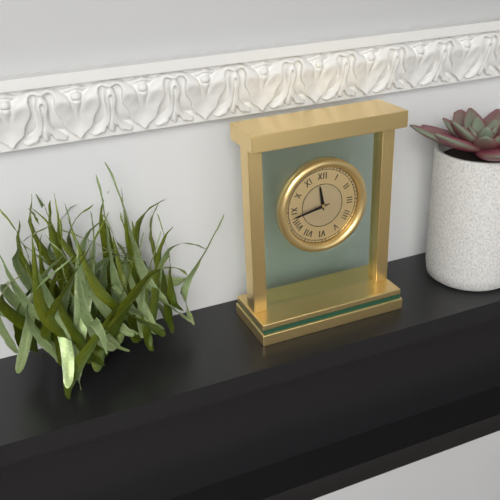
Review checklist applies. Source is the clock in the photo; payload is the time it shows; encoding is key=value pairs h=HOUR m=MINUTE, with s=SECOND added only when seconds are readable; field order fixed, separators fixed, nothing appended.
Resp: h=11 m=43
